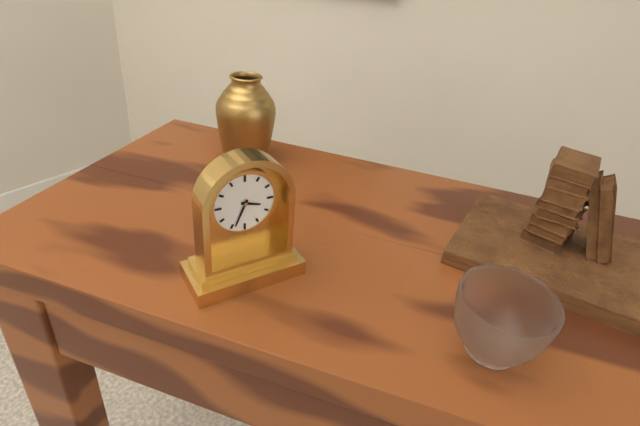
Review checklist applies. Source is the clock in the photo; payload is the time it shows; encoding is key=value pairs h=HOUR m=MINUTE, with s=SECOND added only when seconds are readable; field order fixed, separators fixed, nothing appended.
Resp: h=3 m=34
